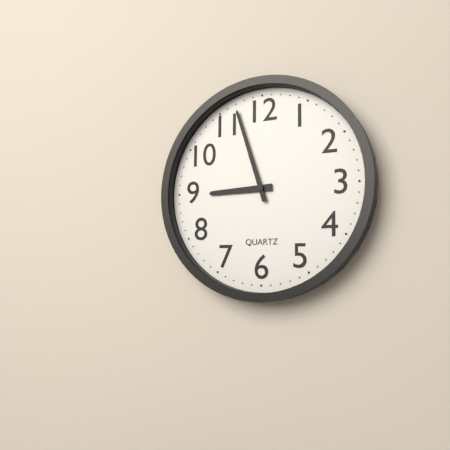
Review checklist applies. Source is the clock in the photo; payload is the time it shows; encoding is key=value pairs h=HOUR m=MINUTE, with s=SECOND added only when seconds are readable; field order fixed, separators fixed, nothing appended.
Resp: h=8 m=57
